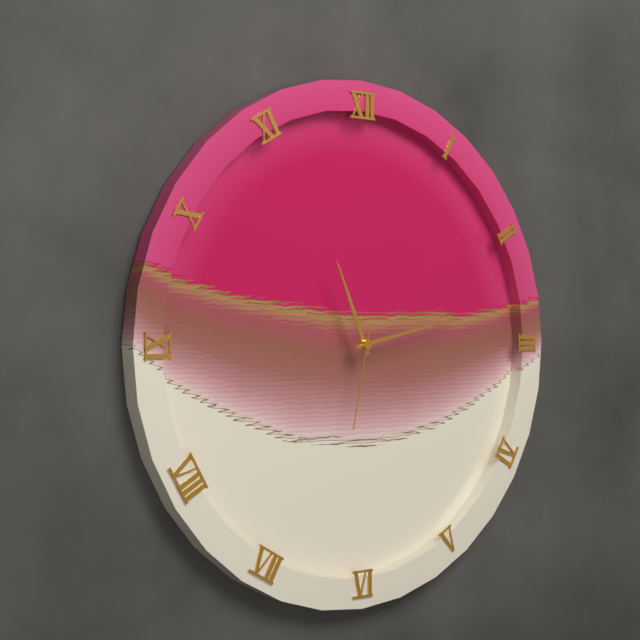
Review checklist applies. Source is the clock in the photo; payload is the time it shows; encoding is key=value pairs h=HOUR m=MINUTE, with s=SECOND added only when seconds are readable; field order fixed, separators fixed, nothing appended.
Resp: h=11 m=13 s=32
